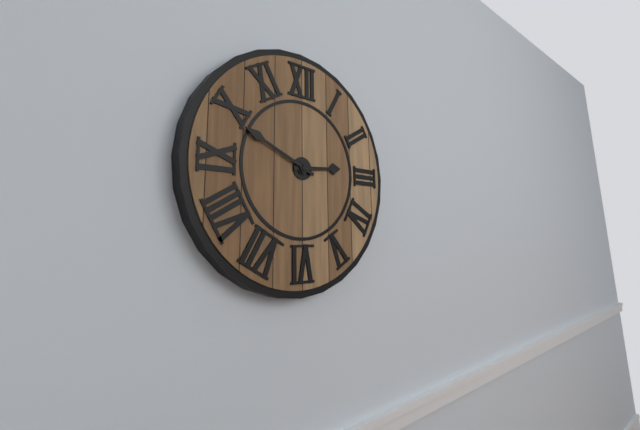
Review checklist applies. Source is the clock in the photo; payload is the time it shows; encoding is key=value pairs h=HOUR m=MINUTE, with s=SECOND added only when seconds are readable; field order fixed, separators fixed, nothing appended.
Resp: h=2 m=49
